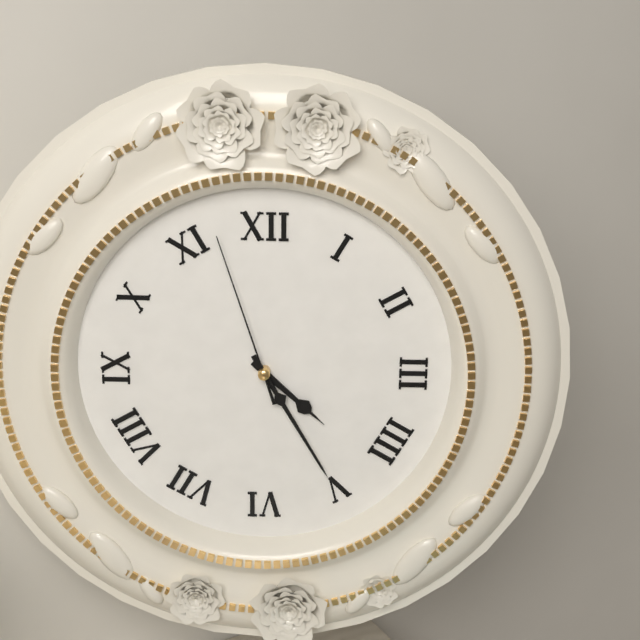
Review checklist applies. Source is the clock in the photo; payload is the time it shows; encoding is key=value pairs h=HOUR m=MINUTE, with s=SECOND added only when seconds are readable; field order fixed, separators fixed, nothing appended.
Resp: h=4 m=25 s=57
